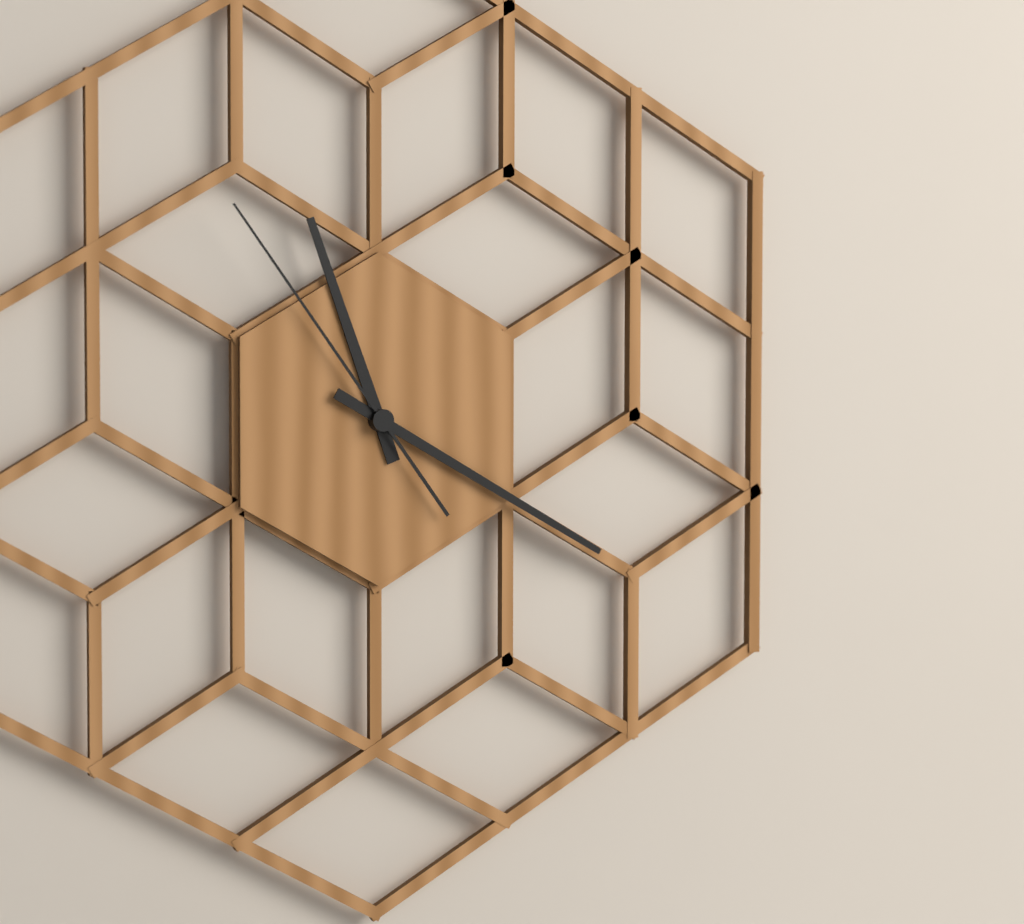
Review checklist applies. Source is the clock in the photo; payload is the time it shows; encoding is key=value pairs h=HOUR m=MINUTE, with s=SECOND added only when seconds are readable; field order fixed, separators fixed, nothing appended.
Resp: h=11 m=20 s=54
